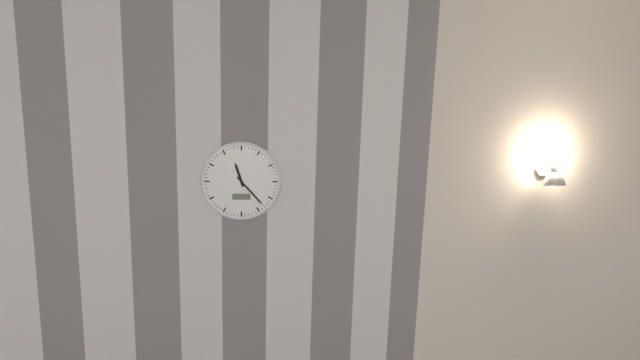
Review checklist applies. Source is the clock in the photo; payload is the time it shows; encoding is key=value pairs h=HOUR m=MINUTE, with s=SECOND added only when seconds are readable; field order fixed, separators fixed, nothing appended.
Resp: h=11 m=23
